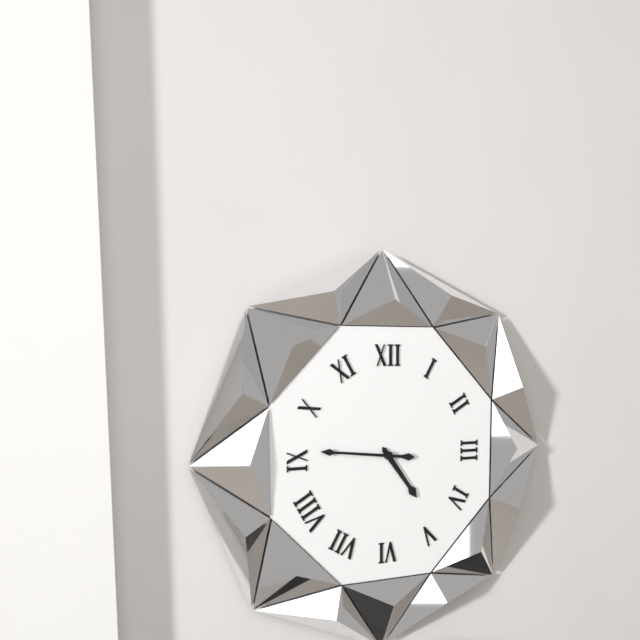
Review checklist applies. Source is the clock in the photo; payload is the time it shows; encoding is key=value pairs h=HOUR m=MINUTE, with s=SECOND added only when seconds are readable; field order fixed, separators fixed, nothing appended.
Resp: h=4 m=46
